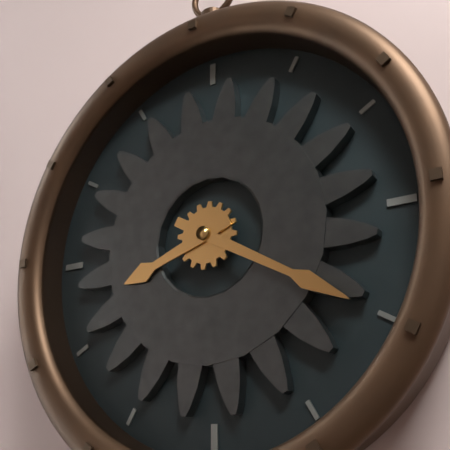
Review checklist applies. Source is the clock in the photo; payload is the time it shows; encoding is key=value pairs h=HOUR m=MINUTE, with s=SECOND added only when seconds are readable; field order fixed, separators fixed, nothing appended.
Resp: h=8 m=20
